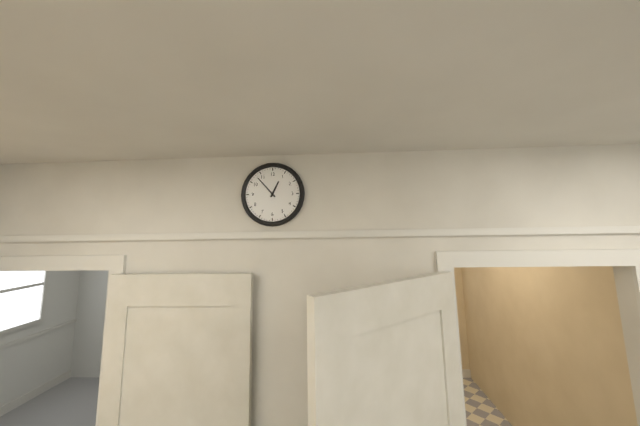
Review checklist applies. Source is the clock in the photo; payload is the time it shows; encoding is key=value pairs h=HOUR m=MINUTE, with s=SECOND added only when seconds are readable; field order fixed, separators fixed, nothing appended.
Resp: h=12 m=53
